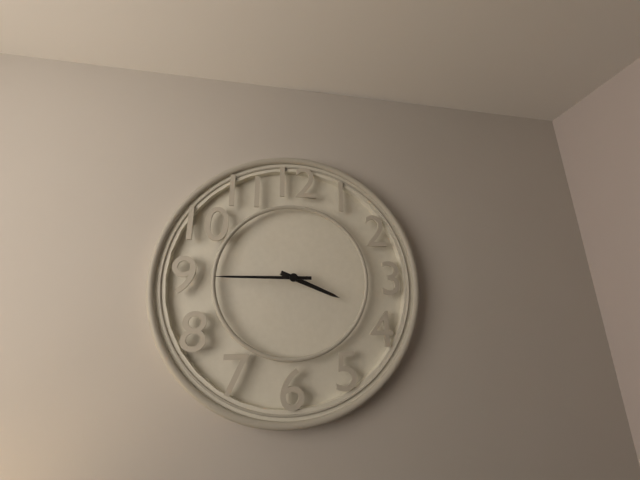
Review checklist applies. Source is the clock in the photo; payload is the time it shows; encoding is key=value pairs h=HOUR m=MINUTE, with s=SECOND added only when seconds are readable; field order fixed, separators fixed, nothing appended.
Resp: h=3 m=45
